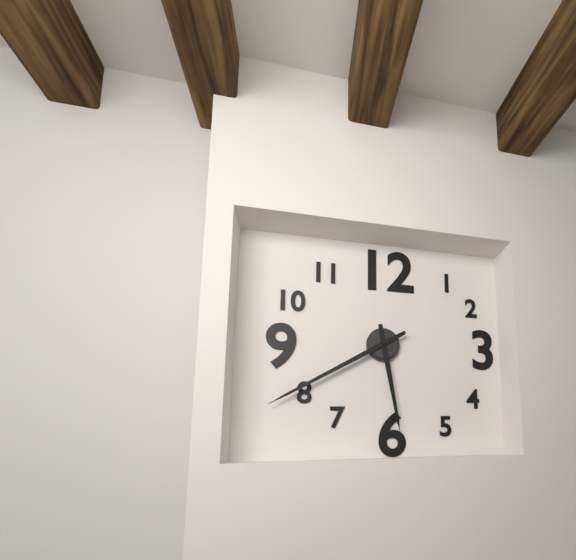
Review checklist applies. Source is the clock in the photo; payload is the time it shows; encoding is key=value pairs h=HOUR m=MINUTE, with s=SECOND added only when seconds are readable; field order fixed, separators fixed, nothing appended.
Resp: h=5 m=40
